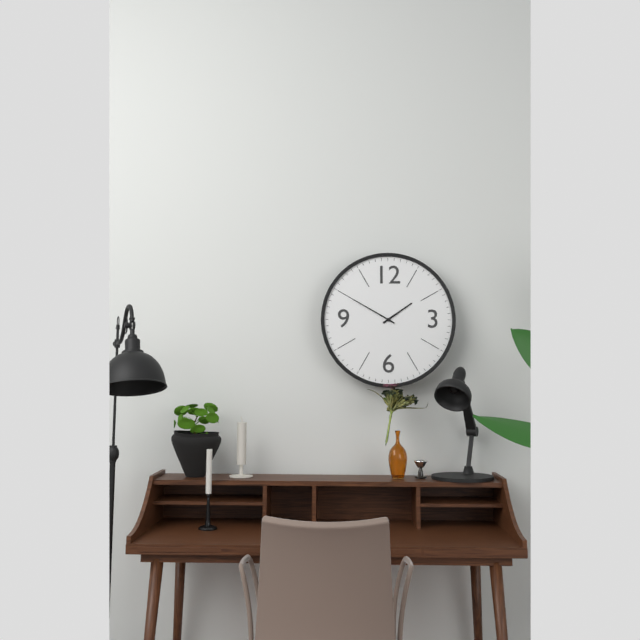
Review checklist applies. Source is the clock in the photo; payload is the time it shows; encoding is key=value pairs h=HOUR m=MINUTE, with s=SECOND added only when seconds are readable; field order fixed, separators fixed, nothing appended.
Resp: h=1 m=50
